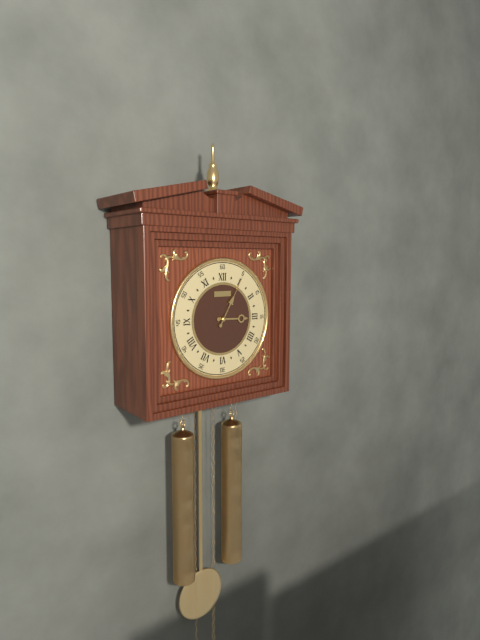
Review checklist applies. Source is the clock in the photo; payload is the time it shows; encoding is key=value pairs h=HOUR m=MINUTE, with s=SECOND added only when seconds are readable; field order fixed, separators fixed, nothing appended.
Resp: h=3 m=5
